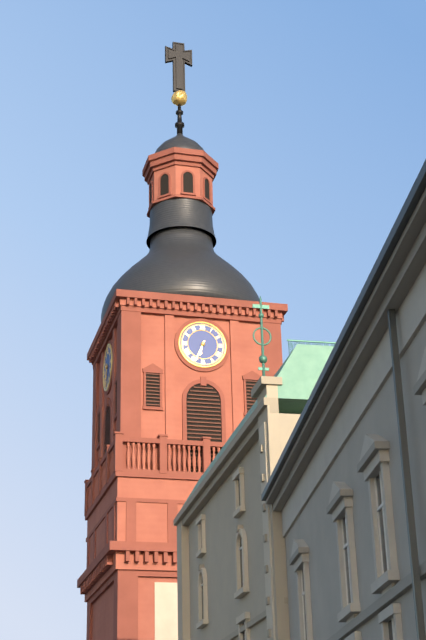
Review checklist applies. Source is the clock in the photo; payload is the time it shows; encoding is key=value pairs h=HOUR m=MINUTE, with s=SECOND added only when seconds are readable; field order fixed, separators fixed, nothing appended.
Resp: h=6 m=34
